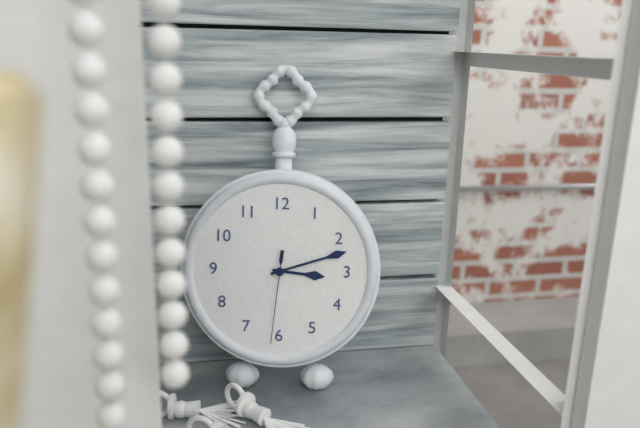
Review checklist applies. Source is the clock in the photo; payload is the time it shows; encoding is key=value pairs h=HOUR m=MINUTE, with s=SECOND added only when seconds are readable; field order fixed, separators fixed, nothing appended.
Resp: h=3 m=12 s=31
